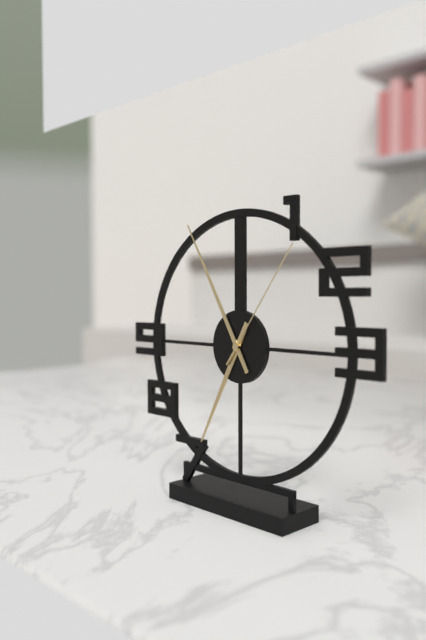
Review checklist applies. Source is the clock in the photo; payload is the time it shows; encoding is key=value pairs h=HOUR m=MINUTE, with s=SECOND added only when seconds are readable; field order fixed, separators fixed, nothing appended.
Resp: h=6 m=55 s=6
